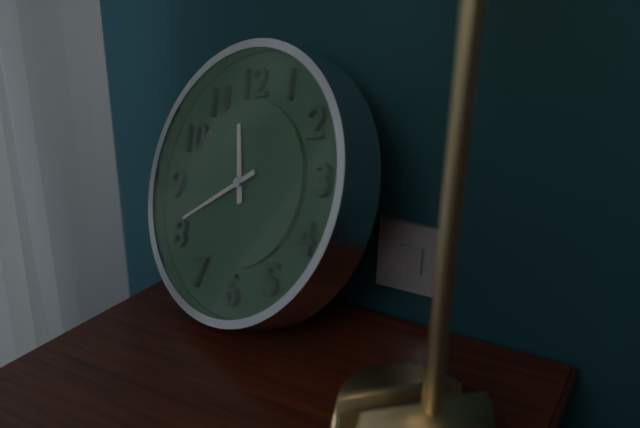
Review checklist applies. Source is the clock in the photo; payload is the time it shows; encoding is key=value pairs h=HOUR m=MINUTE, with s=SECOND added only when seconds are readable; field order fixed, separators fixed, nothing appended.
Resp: h=11 m=41
